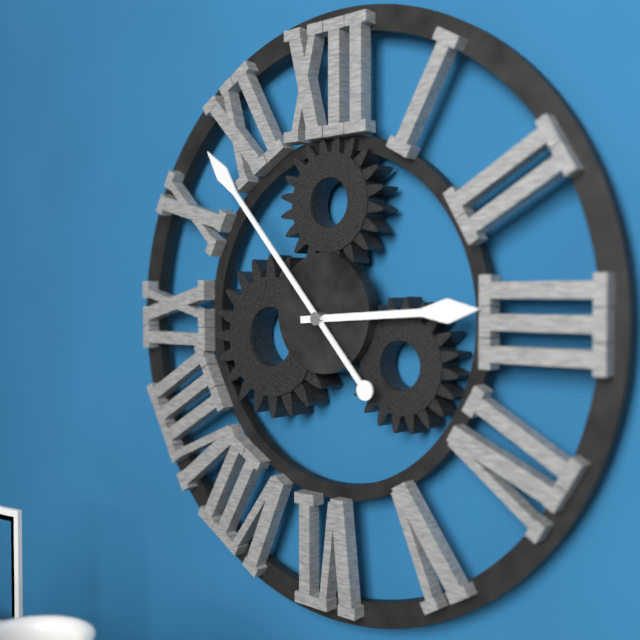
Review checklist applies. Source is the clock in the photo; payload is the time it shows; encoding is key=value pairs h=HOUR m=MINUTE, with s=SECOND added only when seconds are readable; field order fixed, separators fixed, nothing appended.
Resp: h=2 m=53
